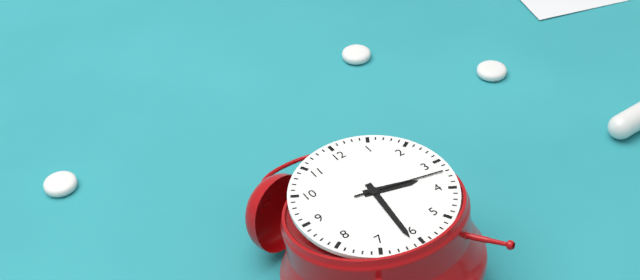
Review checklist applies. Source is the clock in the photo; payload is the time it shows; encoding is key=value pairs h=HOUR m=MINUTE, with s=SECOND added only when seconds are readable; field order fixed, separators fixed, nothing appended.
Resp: h=3 m=31 s=17
